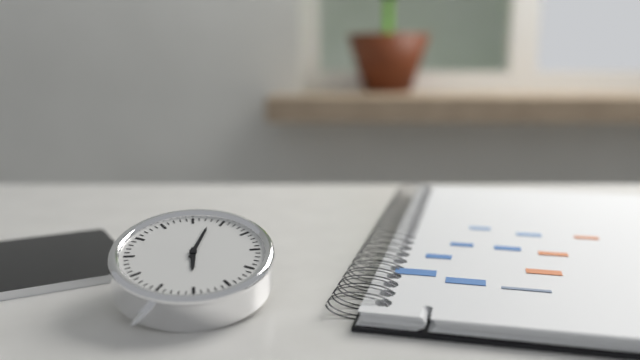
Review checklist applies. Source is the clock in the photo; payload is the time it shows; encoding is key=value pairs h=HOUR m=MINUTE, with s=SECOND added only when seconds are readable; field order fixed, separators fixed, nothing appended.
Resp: h=6 m=3
